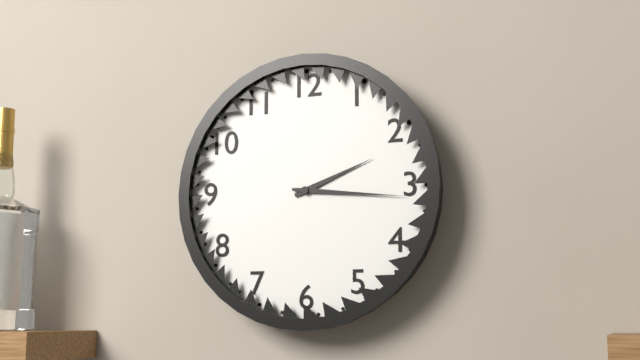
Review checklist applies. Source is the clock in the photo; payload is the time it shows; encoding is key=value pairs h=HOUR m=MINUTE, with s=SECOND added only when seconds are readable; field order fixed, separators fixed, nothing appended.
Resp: h=2 m=16
